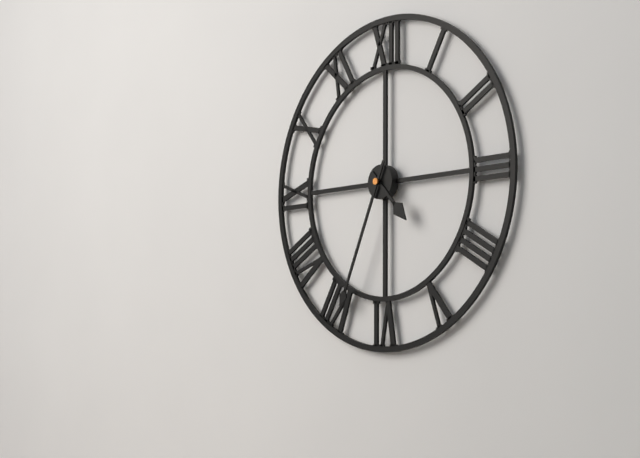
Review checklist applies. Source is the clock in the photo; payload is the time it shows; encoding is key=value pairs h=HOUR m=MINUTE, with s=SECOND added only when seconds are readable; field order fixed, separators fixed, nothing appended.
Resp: h=4 m=34
